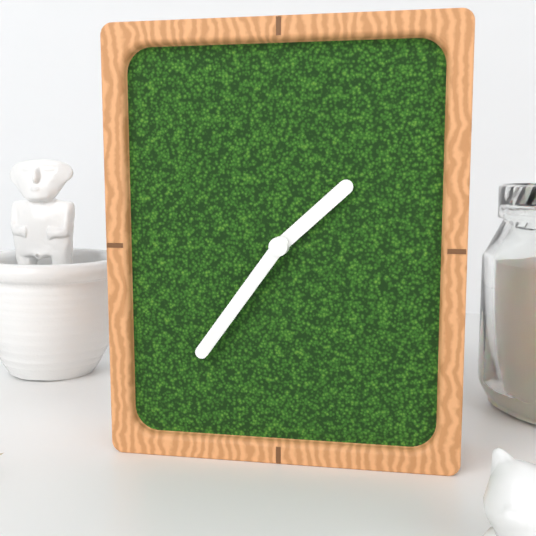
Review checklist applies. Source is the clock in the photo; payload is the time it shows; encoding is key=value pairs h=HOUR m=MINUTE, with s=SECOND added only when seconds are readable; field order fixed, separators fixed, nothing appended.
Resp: h=1 m=36
